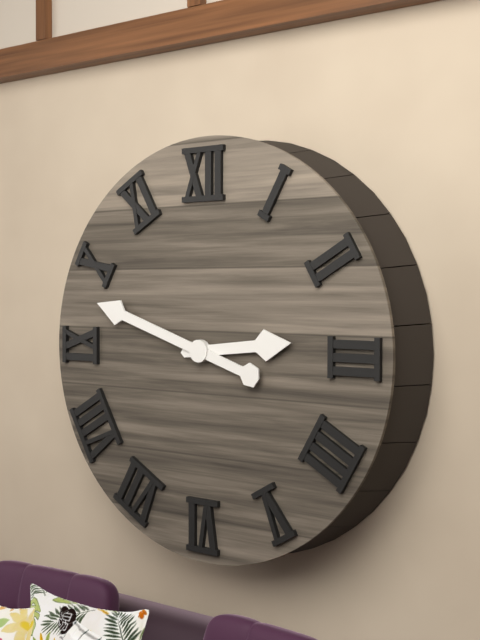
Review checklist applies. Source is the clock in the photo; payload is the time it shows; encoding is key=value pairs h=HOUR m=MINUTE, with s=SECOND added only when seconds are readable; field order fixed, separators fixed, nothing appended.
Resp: h=2 m=48
